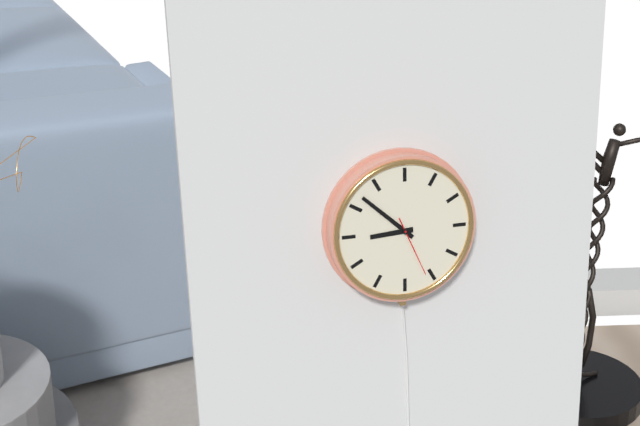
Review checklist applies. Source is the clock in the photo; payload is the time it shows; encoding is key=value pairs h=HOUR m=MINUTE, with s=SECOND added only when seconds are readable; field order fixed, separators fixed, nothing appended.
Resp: h=8 m=52 s=26
